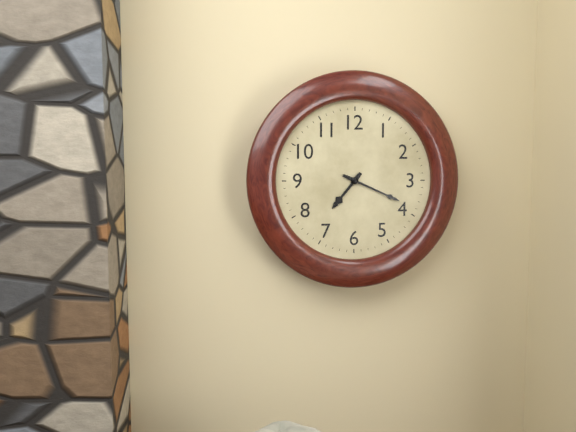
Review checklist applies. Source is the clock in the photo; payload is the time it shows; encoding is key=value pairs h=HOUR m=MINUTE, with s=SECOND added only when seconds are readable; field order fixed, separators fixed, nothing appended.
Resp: h=7 m=19
